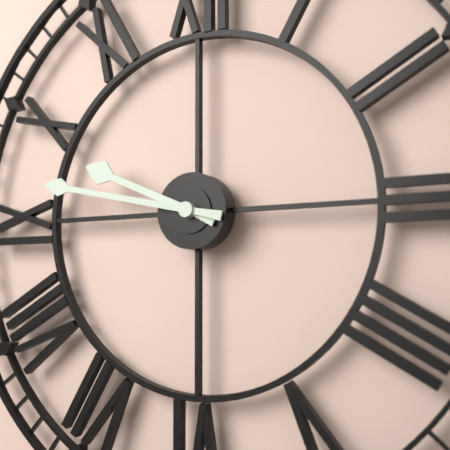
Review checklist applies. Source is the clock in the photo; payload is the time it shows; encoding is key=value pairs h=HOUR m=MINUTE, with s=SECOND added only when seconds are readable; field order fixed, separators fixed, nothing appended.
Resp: h=9 m=47
